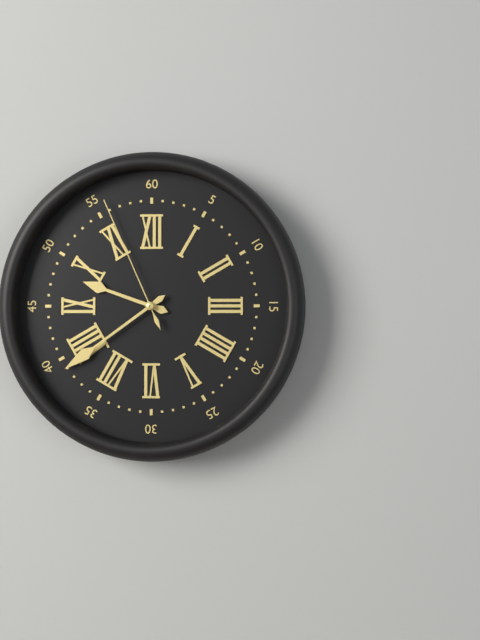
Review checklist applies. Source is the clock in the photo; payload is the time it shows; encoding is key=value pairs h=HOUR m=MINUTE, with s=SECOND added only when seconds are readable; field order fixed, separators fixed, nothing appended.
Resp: h=9 m=39 s=56
